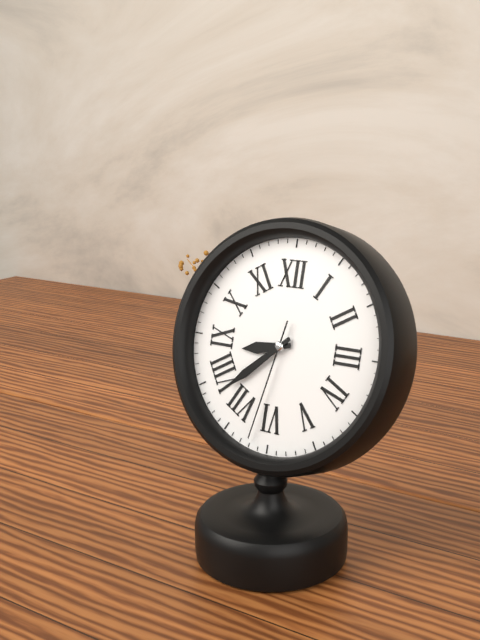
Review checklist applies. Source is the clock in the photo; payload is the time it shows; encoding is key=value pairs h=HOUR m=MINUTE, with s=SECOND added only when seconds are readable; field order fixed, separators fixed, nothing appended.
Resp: h=8 m=38 s=32
